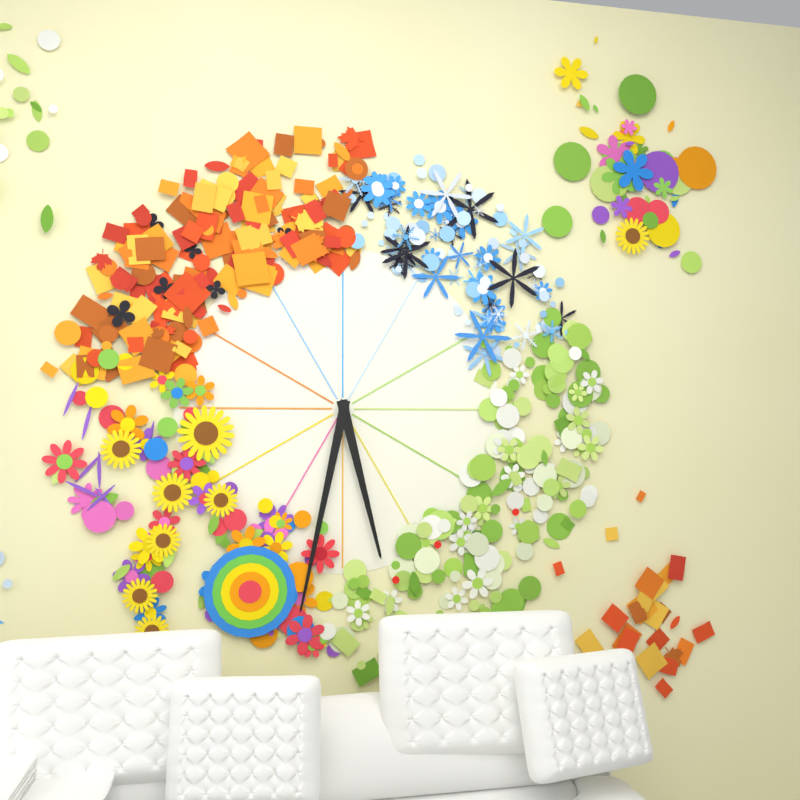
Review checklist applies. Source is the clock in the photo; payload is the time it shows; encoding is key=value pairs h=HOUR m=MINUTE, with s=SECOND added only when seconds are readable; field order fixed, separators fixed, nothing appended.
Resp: h=5 m=32
